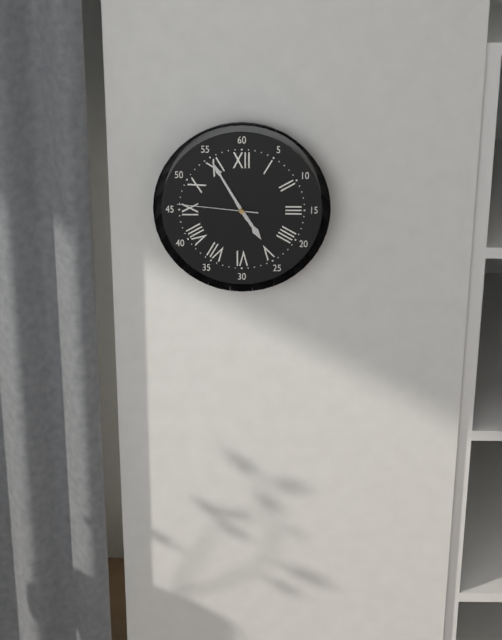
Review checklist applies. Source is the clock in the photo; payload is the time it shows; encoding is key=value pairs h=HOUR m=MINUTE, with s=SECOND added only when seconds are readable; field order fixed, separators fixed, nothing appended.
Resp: h=4 m=55 s=46
